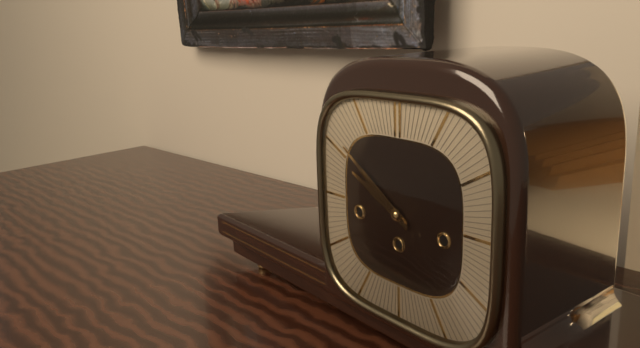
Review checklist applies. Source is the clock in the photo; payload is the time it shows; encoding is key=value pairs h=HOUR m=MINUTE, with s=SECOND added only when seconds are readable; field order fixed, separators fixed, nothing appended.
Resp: h=9 m=51
